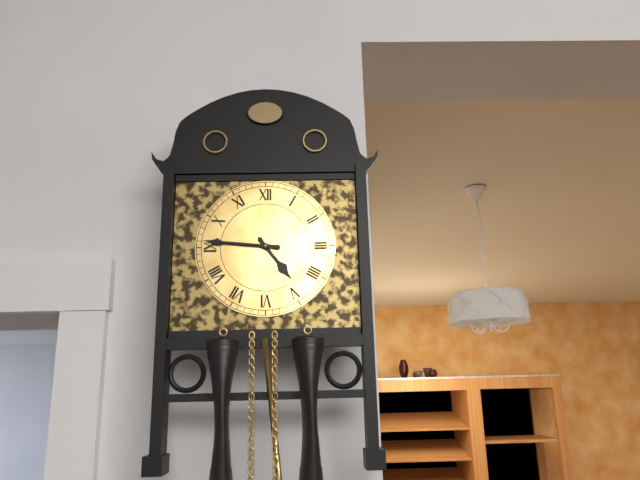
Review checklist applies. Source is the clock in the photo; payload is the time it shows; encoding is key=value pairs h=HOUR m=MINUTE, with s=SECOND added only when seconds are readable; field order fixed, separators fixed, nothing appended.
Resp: h=4 m=46
